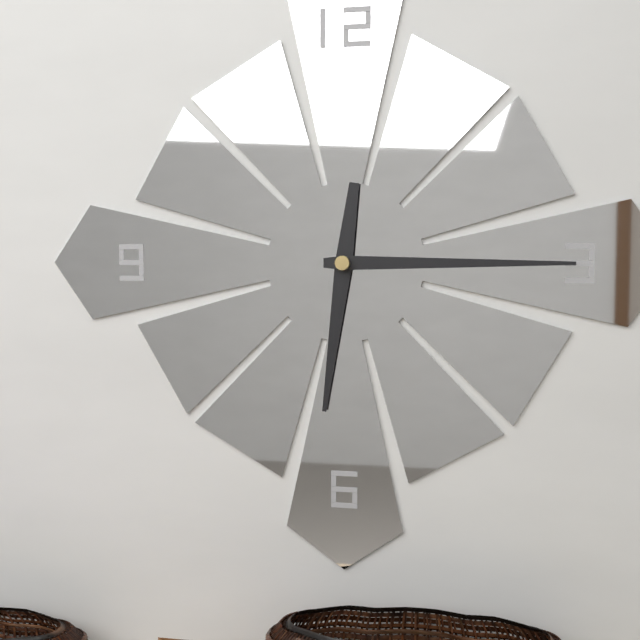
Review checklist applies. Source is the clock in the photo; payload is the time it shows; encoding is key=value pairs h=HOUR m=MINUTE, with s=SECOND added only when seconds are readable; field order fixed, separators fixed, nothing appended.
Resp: h=6 m=15
